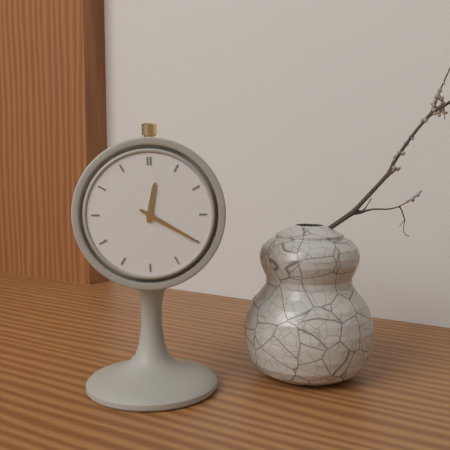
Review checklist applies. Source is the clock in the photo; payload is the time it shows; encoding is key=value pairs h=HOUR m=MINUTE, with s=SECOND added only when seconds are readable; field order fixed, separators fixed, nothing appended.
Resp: h=12 m=20
